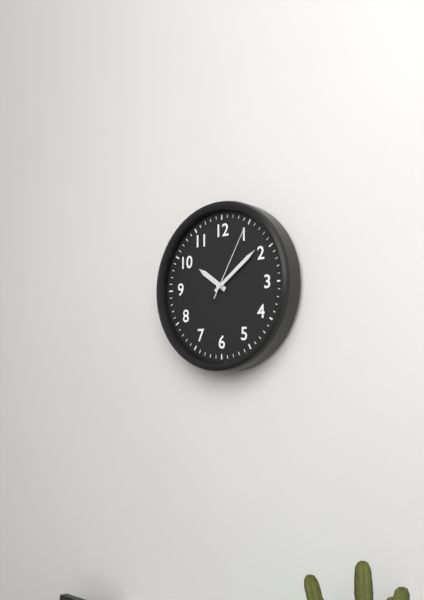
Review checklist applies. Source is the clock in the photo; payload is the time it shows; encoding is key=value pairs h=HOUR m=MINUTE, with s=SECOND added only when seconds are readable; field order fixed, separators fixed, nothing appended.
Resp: h=10 m=9 s=5
